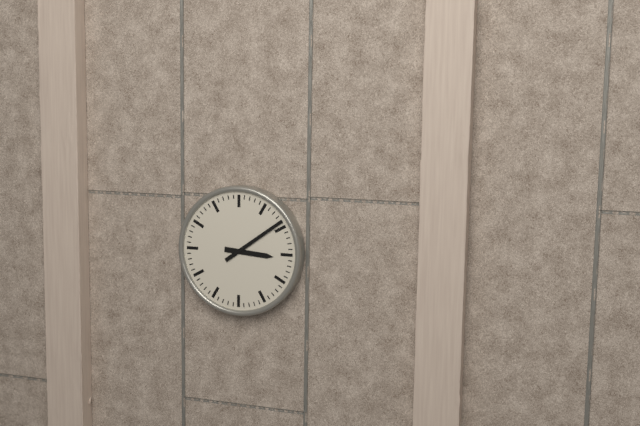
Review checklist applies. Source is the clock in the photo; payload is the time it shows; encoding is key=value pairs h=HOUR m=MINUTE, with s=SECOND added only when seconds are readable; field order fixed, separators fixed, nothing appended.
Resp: h=3 m=9
